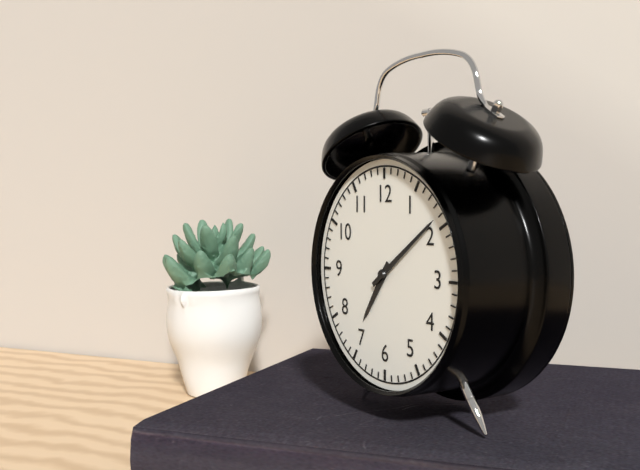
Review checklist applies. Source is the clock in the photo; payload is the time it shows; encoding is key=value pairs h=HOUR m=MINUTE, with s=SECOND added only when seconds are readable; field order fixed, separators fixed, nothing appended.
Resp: h=7 m=9
